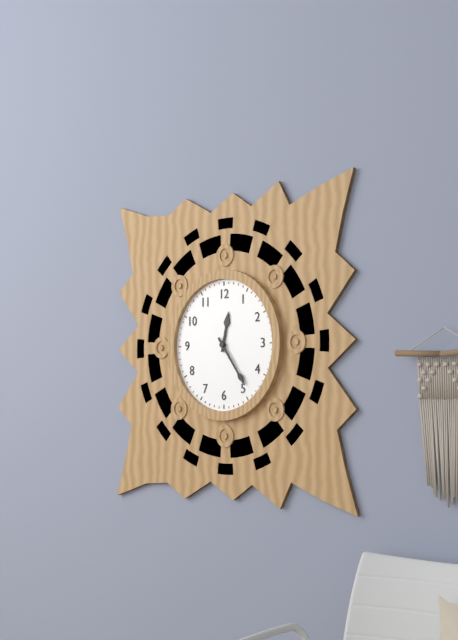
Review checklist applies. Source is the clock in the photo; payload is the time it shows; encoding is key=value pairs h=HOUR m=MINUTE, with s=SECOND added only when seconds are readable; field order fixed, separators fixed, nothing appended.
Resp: h=12 m=24
